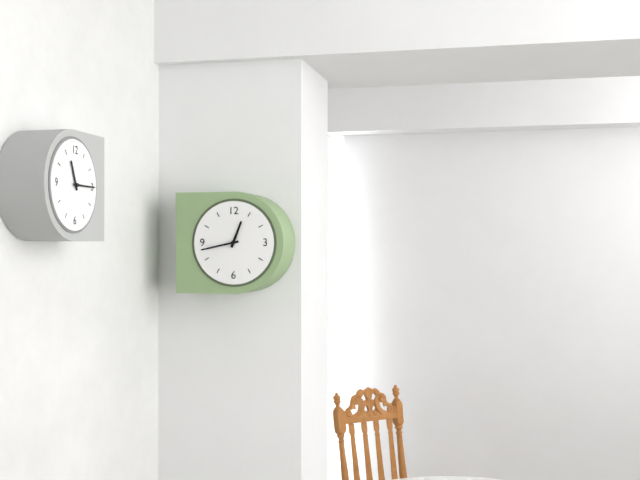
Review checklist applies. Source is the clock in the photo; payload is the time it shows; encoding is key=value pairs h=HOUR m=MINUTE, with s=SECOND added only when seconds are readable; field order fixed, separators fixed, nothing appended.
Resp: h=12 m=43
